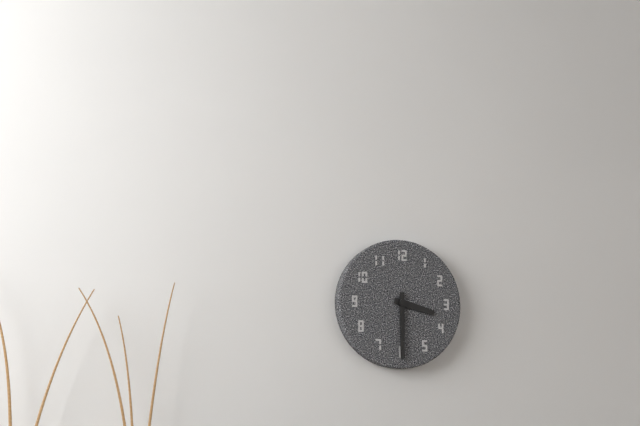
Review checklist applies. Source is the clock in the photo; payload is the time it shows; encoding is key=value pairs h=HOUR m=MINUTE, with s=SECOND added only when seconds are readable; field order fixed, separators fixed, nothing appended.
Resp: h=3 m=30
